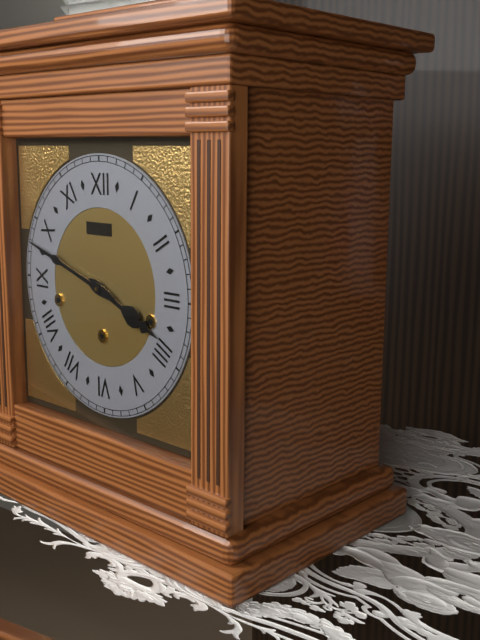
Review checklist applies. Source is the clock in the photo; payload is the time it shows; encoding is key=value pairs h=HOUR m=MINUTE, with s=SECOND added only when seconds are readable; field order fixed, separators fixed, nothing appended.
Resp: h=3 m=48
